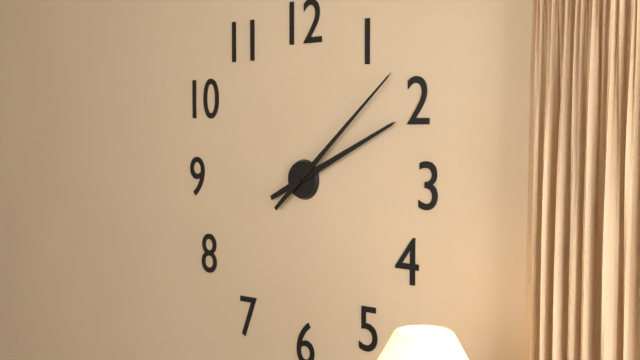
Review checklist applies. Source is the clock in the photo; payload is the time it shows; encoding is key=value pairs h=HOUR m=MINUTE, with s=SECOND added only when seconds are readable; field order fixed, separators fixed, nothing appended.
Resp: h=2 m=8
